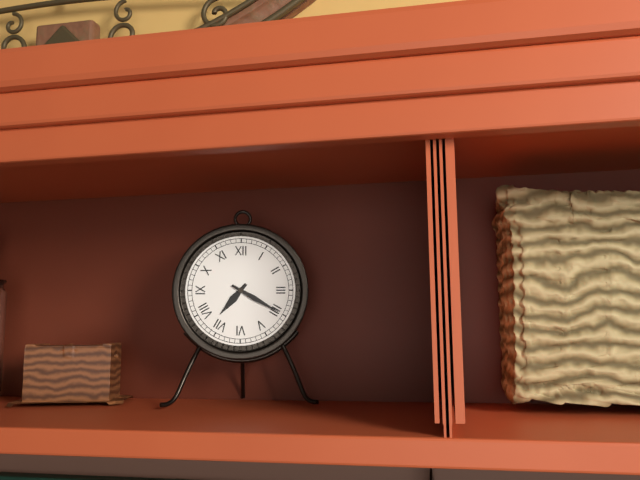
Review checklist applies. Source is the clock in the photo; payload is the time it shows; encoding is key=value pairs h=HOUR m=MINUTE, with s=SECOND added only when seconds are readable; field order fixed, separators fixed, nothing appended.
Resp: h=7 m=20
